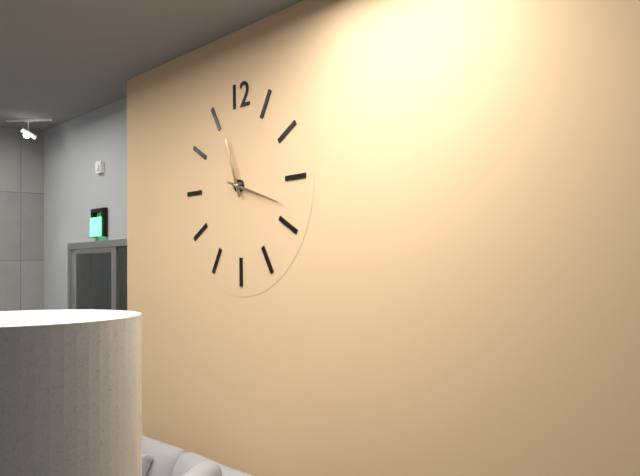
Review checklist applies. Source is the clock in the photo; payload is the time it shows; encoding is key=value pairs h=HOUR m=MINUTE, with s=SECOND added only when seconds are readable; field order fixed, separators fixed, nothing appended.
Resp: h=11 m=18
